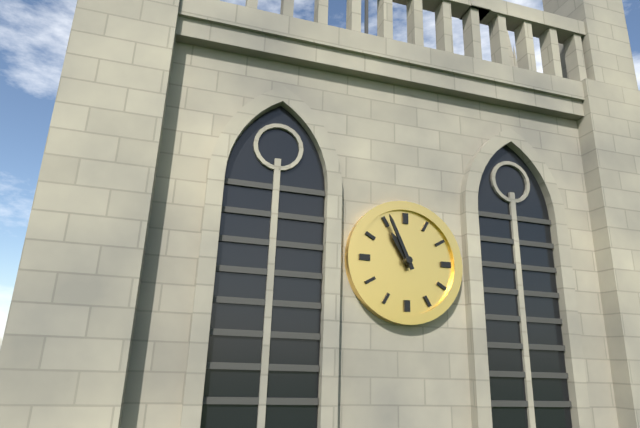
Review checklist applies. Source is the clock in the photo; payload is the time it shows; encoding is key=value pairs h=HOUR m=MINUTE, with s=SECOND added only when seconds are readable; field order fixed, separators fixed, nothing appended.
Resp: h=10 m=56
